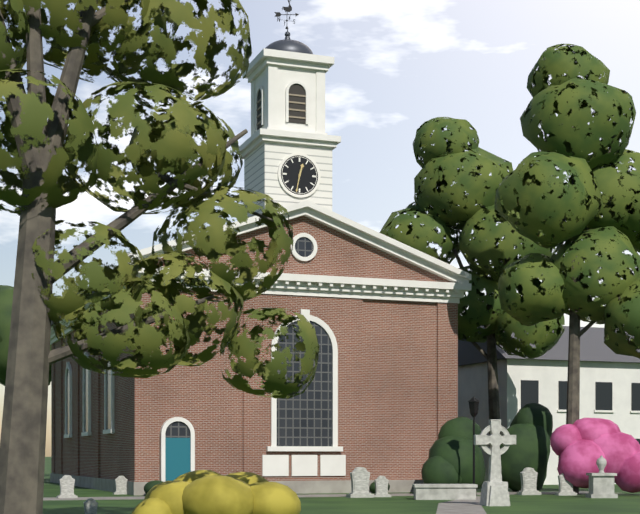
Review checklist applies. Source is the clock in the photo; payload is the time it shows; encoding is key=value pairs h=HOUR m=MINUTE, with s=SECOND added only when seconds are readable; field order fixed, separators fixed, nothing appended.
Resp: h=12 m=32
